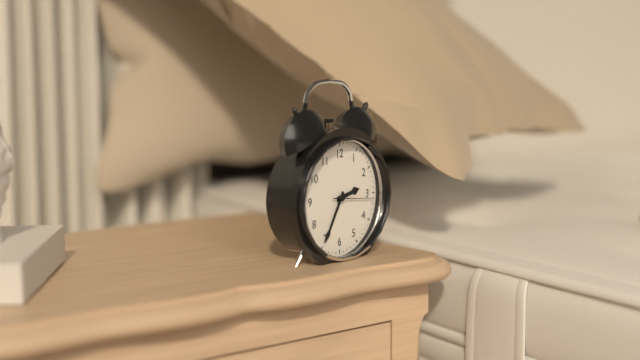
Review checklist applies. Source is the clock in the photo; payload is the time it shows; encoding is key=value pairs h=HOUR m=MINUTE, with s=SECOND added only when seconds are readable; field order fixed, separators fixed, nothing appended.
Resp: h=2 m=35
